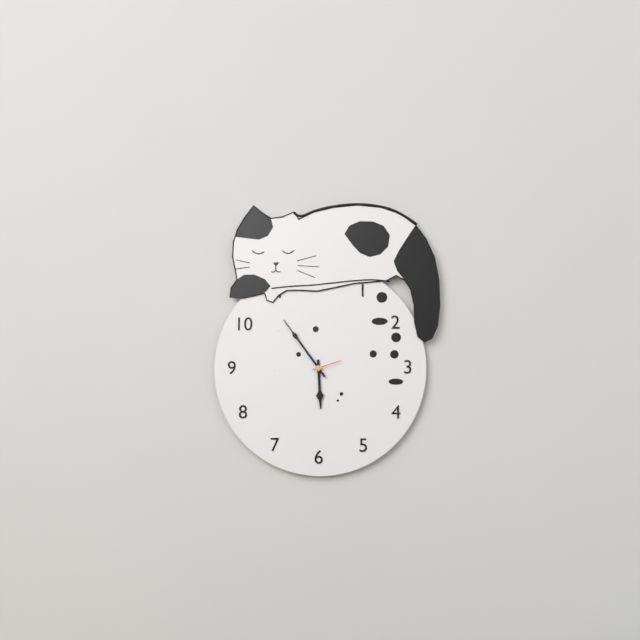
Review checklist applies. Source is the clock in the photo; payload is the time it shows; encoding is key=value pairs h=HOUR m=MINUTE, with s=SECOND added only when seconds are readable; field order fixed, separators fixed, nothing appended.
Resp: h=5 m=54
